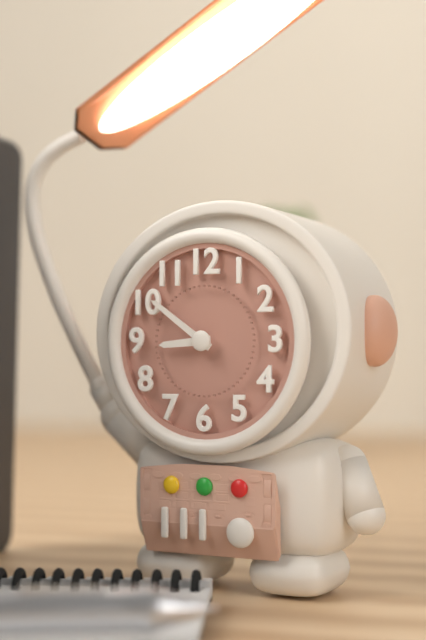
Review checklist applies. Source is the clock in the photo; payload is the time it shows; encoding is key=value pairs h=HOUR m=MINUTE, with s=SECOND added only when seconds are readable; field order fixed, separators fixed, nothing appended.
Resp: h=8 m=51
